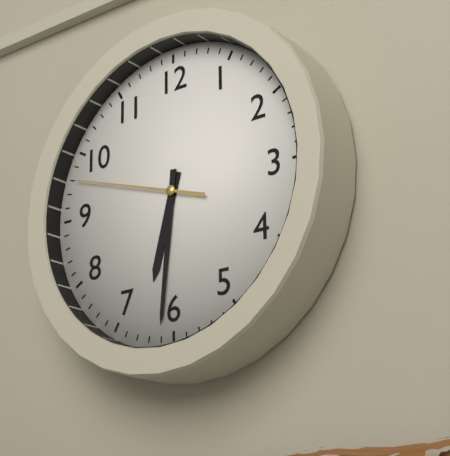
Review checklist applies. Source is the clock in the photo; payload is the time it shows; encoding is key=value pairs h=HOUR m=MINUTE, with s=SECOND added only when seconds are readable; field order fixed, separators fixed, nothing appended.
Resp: h=6 m=31 s=48
